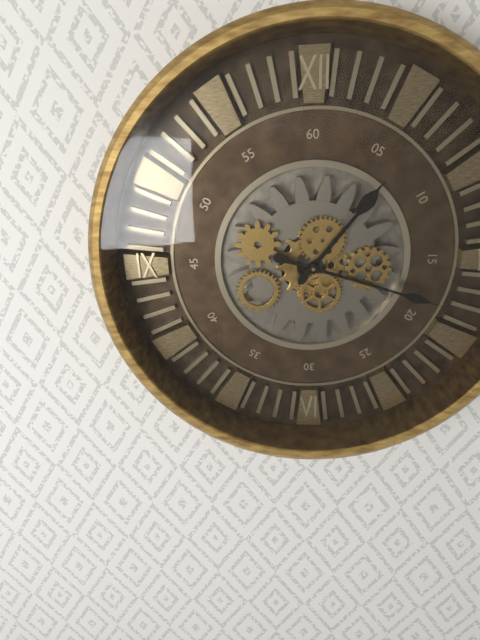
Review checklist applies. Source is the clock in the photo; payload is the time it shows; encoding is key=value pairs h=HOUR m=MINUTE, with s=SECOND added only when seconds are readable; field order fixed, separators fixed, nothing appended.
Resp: h=1 m=18
